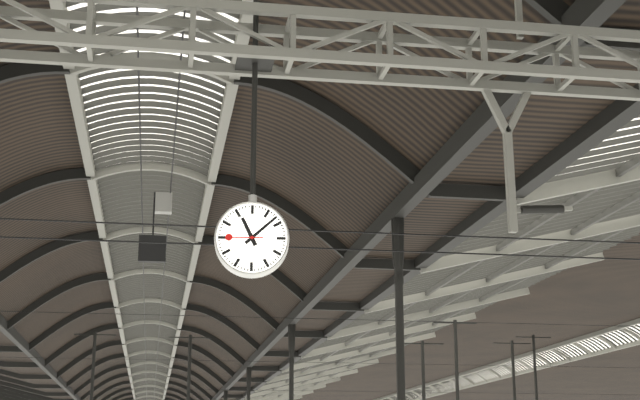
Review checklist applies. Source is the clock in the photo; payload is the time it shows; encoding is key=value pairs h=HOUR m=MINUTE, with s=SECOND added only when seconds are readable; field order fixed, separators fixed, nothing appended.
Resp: h=11 m=8
